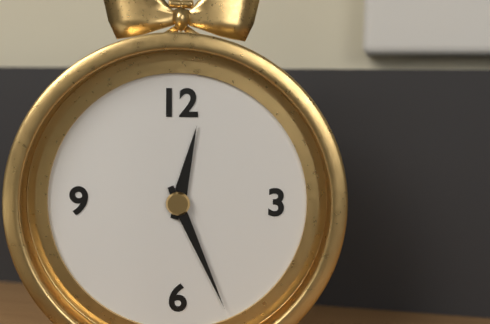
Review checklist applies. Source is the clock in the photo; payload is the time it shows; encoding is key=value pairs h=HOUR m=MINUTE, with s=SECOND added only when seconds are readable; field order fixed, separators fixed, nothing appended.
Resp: h=12 m=26
